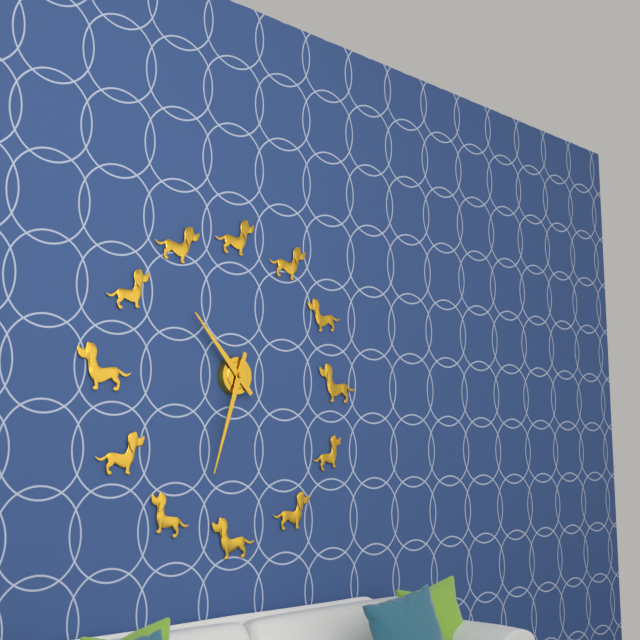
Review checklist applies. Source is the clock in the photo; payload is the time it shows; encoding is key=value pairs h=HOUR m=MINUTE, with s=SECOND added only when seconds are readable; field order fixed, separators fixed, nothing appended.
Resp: h=10 m=33
